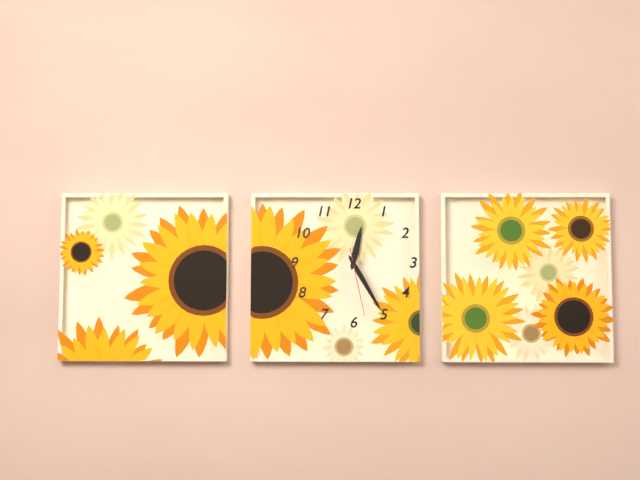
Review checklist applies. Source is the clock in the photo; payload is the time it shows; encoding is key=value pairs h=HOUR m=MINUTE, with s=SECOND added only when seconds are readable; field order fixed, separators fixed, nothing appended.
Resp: h=12 m=25 s=28
